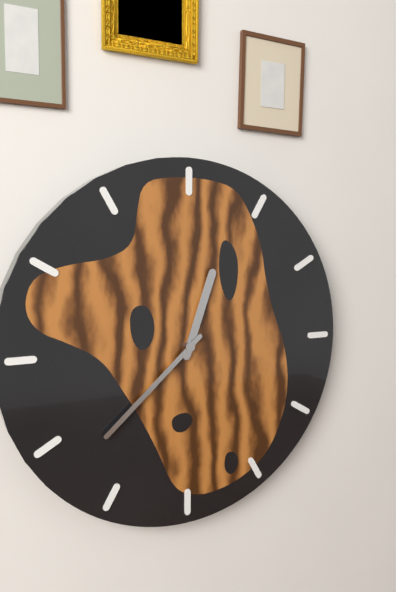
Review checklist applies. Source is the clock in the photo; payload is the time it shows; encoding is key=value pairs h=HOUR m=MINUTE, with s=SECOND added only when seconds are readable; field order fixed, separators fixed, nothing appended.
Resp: h=12 m=38
